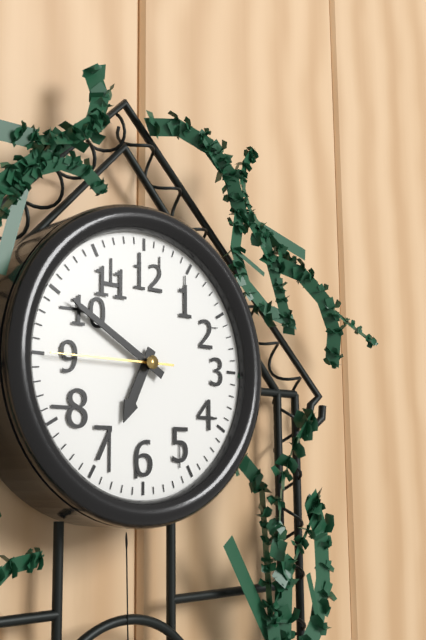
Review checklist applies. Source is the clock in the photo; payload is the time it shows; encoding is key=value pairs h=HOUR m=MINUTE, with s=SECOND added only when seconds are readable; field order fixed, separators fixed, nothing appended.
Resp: h=6 m=50 s=45
